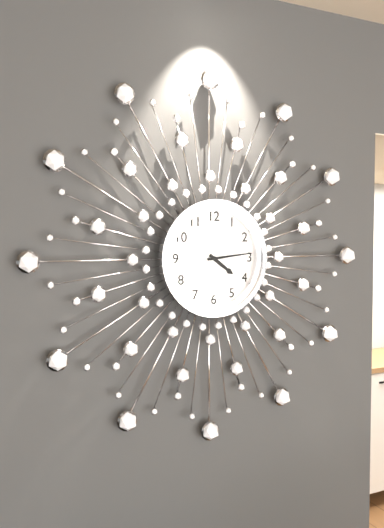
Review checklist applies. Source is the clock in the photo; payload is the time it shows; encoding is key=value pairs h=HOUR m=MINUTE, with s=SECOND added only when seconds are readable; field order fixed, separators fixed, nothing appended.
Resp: h=4 m=14
